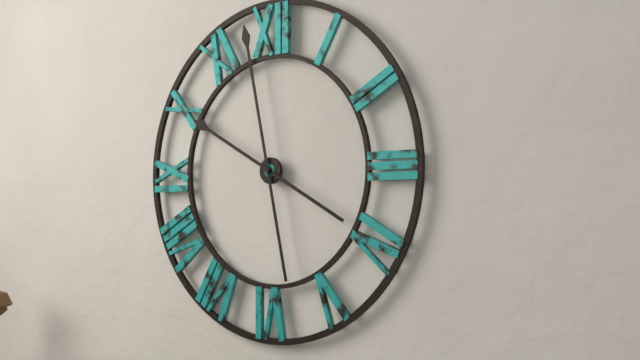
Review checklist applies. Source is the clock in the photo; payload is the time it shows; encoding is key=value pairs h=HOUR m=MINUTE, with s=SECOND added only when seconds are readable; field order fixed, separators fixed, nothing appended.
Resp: h=9 m=58
